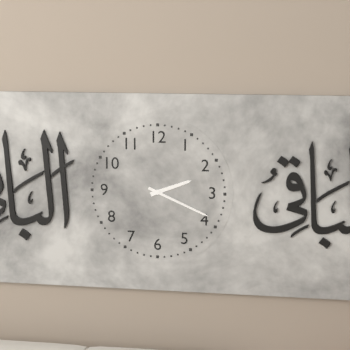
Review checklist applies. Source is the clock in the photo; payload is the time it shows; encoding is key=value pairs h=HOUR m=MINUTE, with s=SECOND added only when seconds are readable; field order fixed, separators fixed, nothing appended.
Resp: h=2 m=19
